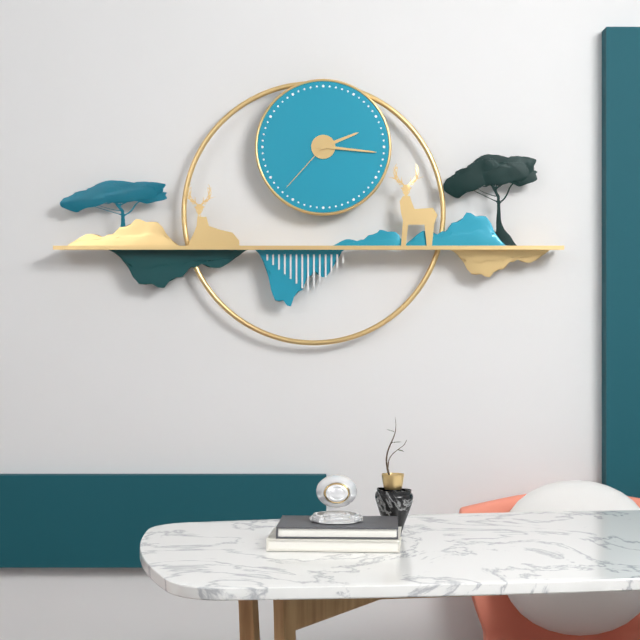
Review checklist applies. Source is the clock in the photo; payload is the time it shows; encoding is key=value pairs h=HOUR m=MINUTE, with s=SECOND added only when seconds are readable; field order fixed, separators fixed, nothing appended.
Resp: h=2 m=16 s=37
